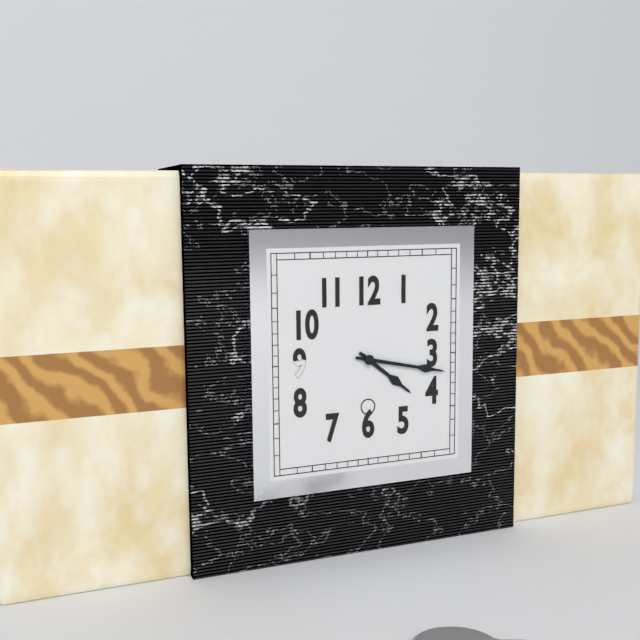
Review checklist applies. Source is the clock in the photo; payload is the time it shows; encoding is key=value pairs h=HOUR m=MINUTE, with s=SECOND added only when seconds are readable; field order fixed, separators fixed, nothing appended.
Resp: h=4 m=17
